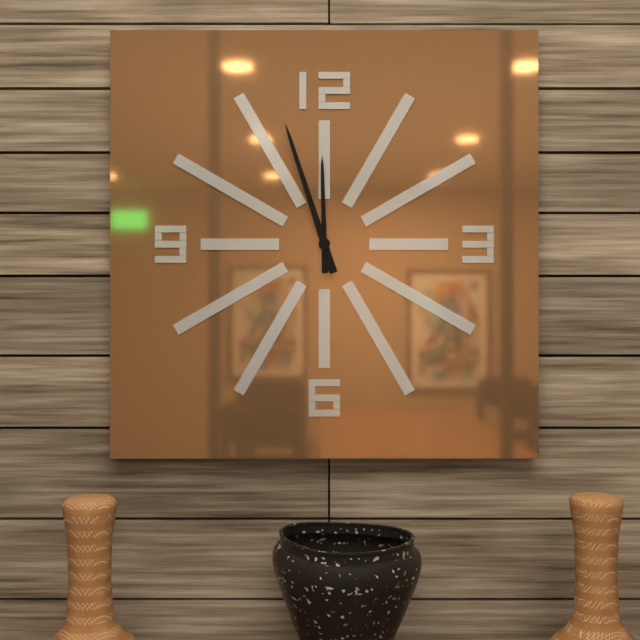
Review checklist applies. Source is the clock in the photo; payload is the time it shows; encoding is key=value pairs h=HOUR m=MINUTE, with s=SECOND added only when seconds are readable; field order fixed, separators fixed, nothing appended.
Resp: h=11 m=57
